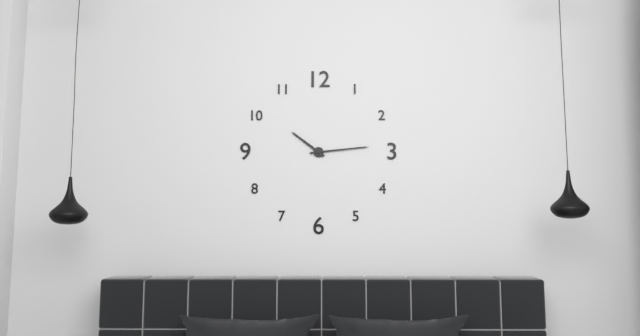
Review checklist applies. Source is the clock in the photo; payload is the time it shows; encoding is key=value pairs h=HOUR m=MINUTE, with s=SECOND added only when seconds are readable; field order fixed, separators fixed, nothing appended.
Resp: h=10 m=14
